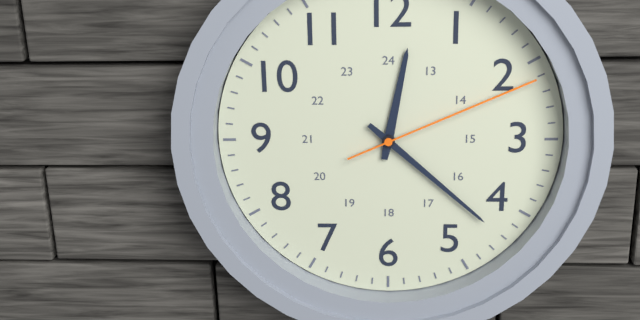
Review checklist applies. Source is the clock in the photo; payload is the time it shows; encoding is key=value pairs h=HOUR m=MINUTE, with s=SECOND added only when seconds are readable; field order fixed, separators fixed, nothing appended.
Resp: h=12 m=22 s=11
